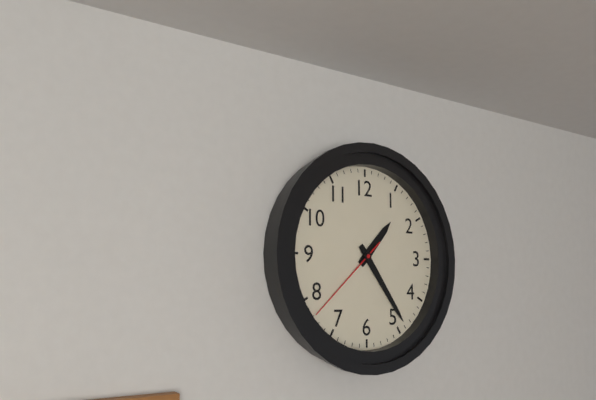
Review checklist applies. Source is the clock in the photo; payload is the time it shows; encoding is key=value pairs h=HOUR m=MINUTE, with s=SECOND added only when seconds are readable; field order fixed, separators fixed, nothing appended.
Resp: h=1 m=24 s=38
